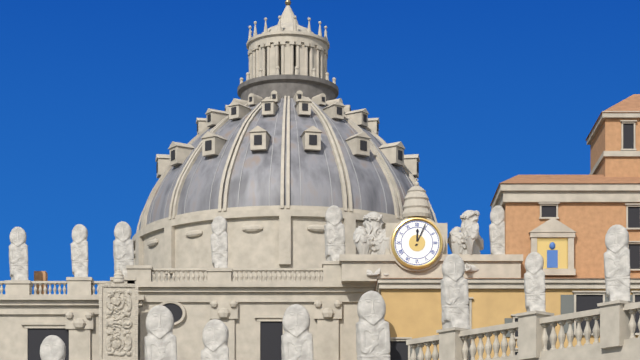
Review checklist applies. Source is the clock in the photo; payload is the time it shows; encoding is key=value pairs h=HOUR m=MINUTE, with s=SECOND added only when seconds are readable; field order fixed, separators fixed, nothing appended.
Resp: h=12 m=4
